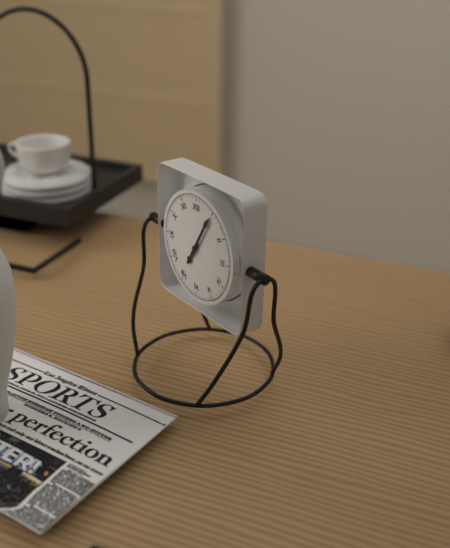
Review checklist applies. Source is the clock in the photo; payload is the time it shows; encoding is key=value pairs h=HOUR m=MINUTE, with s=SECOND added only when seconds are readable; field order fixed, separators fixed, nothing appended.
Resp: h=7 m=5
